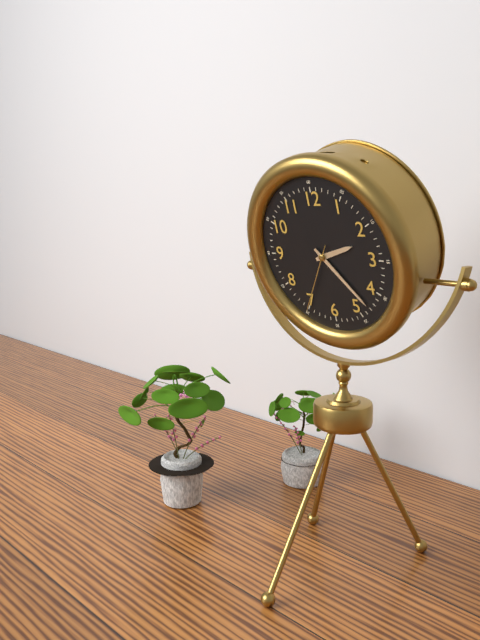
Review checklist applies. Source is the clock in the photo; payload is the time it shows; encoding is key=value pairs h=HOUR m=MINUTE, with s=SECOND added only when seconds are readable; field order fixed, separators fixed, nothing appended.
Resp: h=2 m=23 s=35
